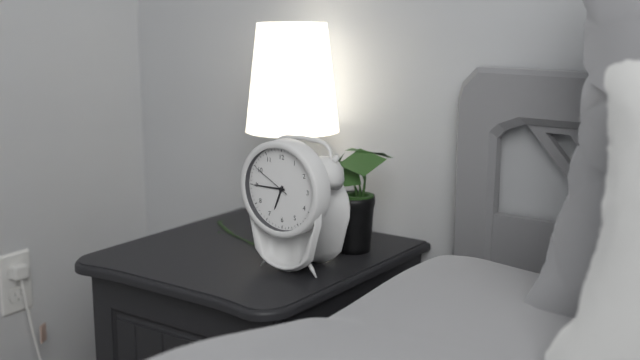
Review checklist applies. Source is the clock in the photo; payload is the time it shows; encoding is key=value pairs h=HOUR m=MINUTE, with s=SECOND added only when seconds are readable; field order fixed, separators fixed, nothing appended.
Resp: h=6 m=45
